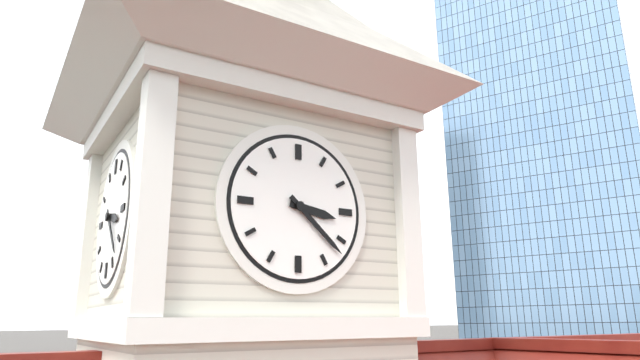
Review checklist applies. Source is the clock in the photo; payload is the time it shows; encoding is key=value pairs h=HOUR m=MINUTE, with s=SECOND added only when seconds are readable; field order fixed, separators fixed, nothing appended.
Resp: h=3 m=22
